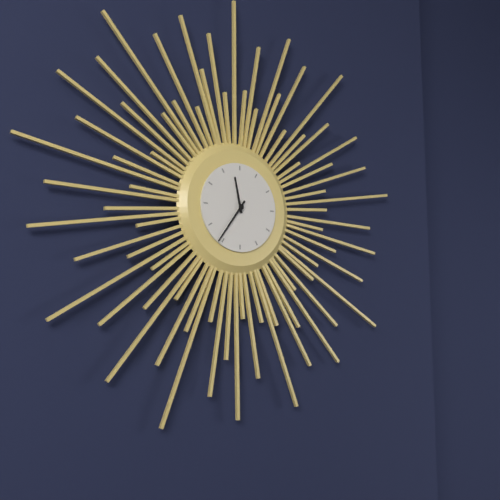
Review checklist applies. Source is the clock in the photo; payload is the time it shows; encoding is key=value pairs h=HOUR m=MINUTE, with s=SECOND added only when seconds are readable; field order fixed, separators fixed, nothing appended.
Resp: h=11 m=36
